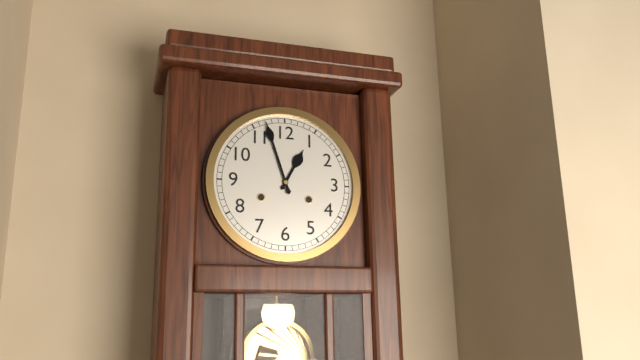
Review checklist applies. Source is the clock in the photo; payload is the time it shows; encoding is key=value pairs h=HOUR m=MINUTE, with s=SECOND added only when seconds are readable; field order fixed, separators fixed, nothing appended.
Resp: h=12 m=57
